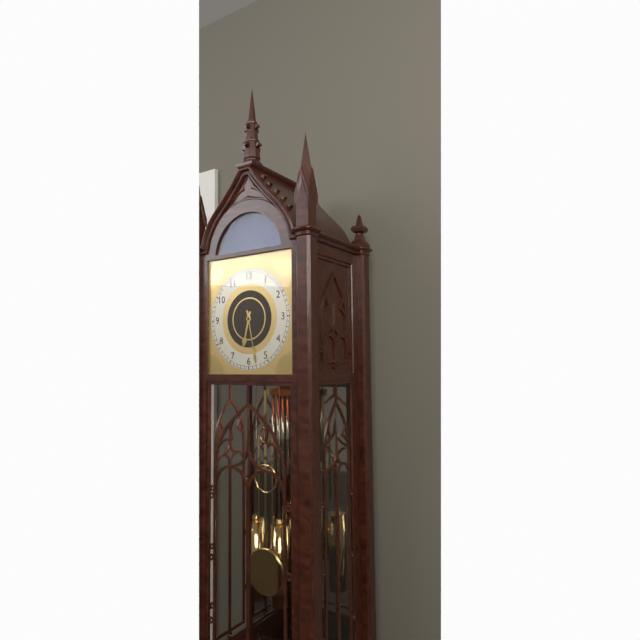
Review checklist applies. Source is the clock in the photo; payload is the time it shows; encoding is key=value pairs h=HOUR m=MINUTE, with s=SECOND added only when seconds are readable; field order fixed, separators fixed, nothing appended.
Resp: h=6 m=28
